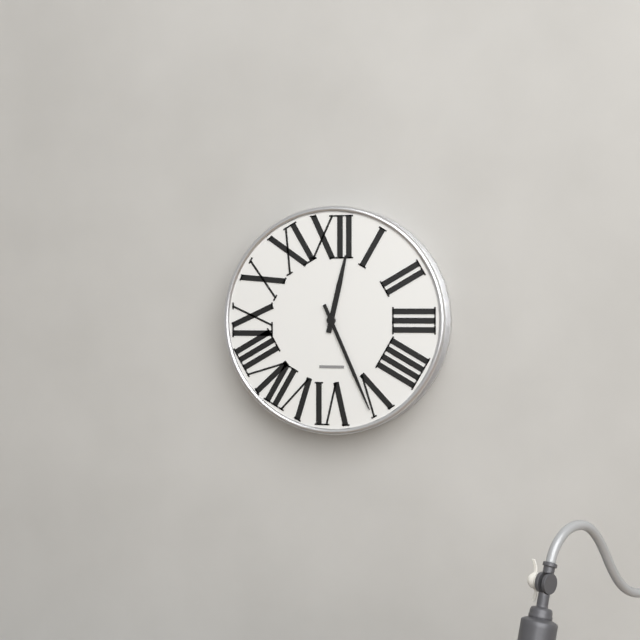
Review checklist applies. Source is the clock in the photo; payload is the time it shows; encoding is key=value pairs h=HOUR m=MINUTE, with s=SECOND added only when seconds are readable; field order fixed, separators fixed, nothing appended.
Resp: h=12 m=26
